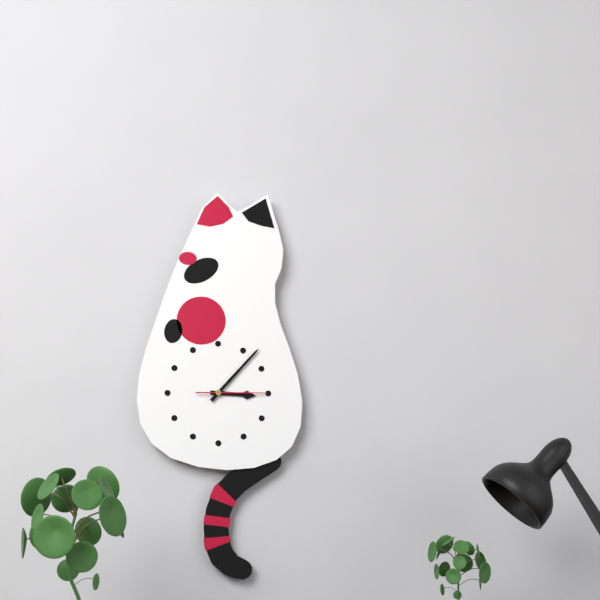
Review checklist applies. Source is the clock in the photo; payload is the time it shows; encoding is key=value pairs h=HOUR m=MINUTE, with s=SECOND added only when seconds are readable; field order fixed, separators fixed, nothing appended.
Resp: h=3 m=7 s=15
